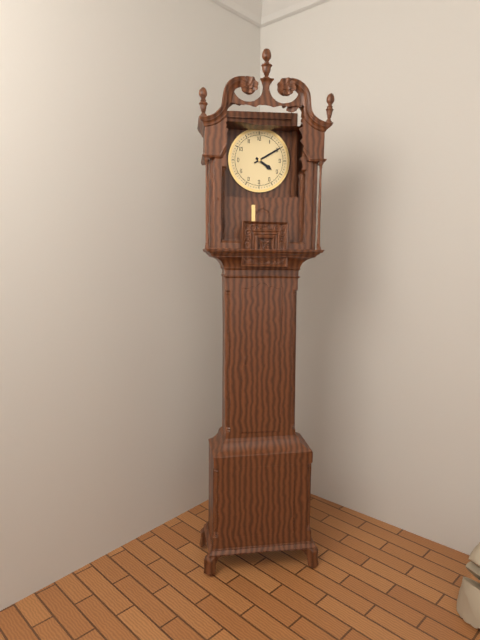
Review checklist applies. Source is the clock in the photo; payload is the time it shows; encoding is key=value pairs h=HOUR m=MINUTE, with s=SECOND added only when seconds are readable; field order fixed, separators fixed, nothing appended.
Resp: h=4 m=10
